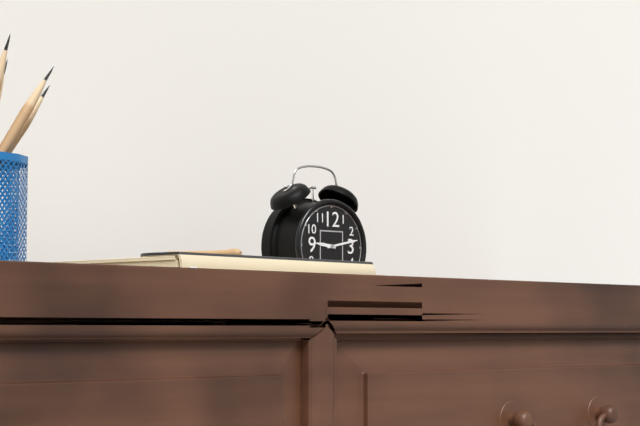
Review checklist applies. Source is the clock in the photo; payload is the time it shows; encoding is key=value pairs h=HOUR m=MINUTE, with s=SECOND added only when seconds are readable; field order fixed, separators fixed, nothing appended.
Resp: h=9 m=13
